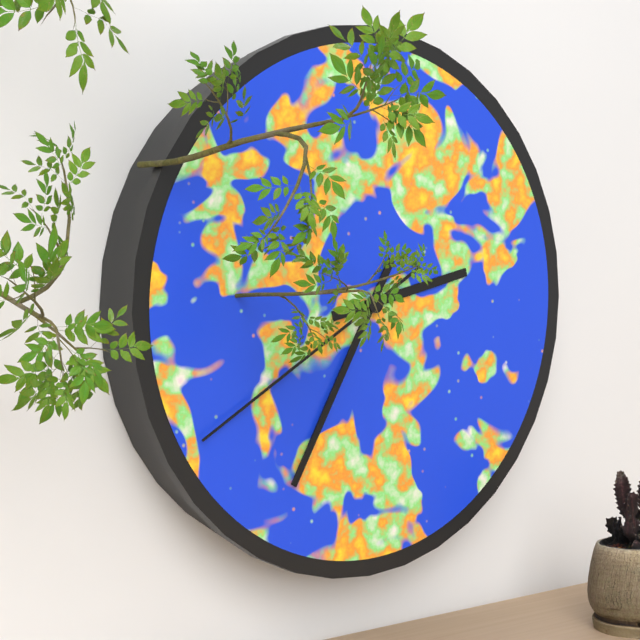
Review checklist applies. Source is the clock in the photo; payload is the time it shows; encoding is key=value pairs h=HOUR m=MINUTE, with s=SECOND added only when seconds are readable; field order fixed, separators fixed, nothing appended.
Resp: h=2 m=35 s=40
